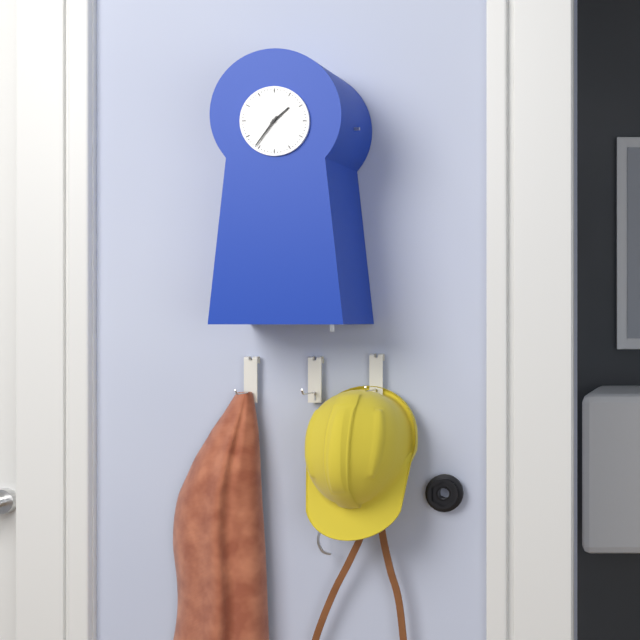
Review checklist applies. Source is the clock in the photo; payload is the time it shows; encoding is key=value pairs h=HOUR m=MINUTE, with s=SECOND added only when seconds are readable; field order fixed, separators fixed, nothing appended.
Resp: h=1 m=36
